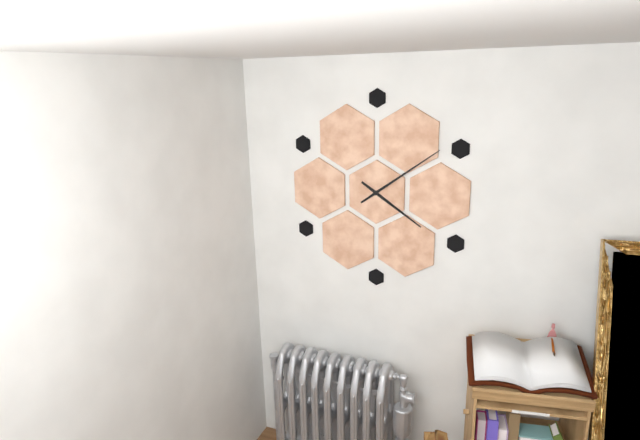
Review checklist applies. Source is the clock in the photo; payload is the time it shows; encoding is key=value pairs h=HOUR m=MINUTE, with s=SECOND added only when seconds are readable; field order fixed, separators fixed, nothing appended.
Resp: h=4 m=9
